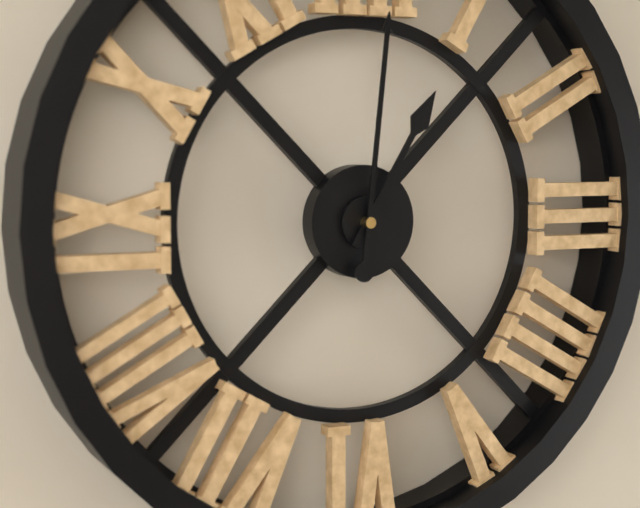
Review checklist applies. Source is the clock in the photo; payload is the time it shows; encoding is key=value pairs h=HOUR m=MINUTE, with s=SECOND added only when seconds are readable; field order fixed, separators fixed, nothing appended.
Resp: h=1 m=1
